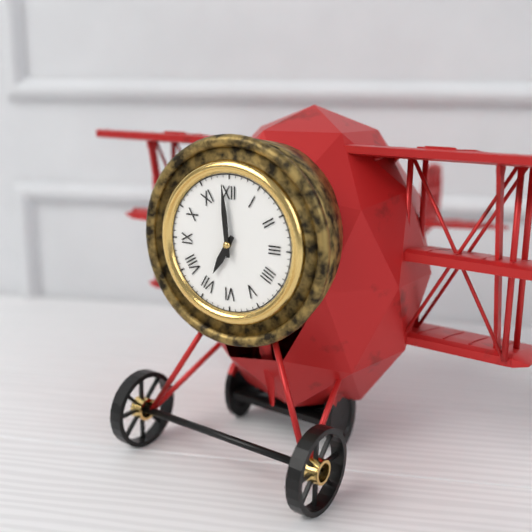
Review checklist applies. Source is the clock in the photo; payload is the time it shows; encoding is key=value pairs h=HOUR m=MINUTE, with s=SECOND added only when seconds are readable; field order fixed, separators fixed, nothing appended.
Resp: h=6 m=59
